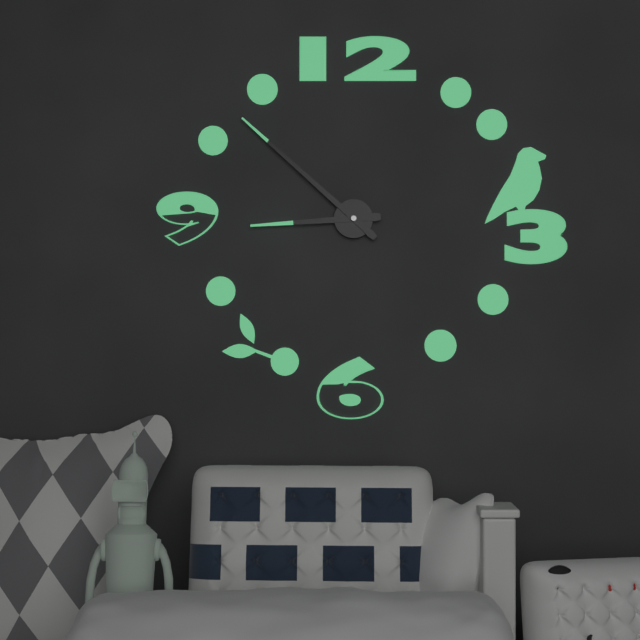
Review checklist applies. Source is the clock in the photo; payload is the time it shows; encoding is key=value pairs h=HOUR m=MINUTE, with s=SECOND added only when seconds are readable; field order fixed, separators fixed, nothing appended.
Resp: h=8 m=52
